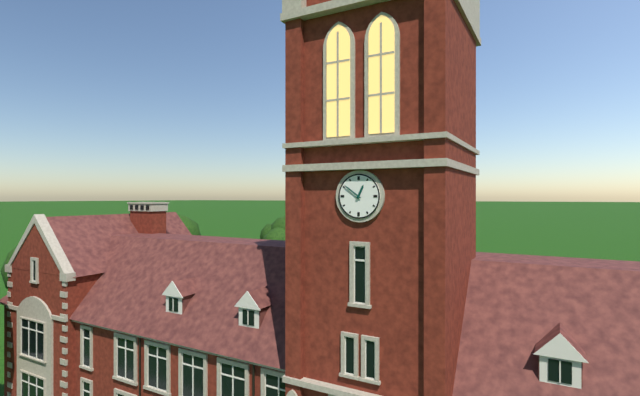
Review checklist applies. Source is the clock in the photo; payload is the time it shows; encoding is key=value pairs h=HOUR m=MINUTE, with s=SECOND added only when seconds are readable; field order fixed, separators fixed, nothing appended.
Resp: h=12 m=51
